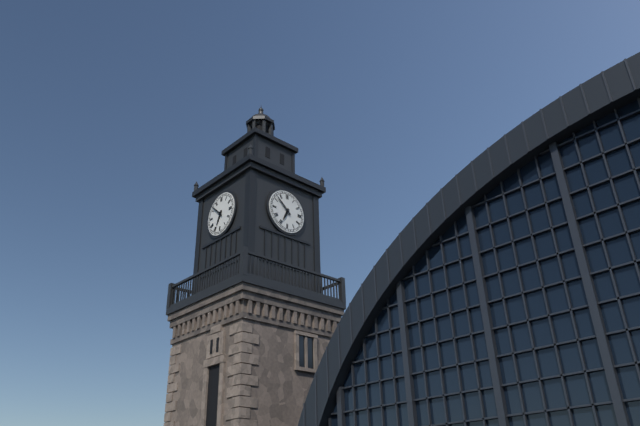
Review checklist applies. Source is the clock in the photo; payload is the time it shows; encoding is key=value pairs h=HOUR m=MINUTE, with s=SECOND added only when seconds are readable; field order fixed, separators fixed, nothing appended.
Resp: h=6 m=52
